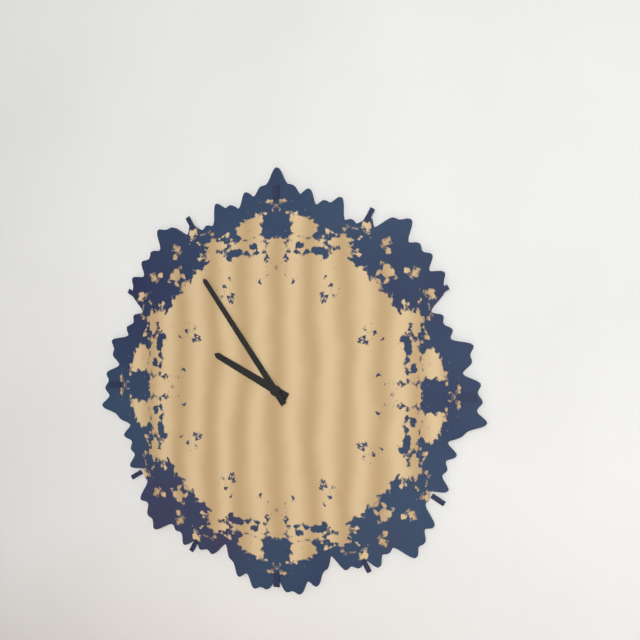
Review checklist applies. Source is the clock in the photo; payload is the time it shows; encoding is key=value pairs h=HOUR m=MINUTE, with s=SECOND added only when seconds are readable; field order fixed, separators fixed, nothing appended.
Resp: h=9 m=54
